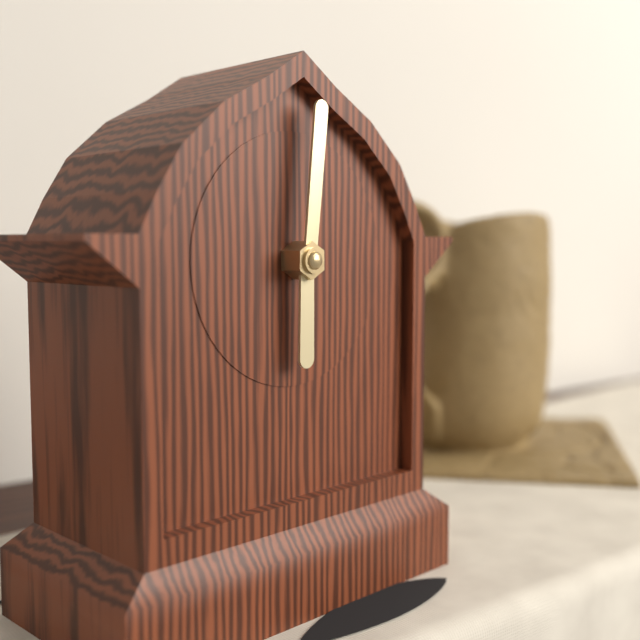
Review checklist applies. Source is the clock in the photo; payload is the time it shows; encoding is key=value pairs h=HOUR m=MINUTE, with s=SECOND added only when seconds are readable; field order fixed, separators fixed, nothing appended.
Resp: h=6 m=1
